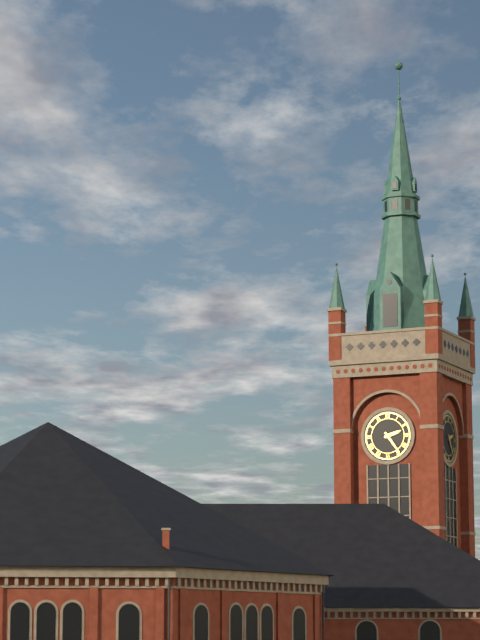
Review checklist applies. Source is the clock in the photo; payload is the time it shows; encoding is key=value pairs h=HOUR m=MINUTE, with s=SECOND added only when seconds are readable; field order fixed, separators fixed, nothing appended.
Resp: h=2 m=24
